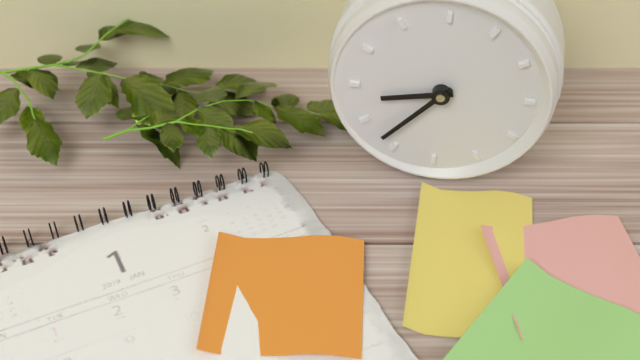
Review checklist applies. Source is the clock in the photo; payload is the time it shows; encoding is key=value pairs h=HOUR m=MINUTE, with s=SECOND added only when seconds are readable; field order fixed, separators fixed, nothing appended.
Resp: h=8 m=37
